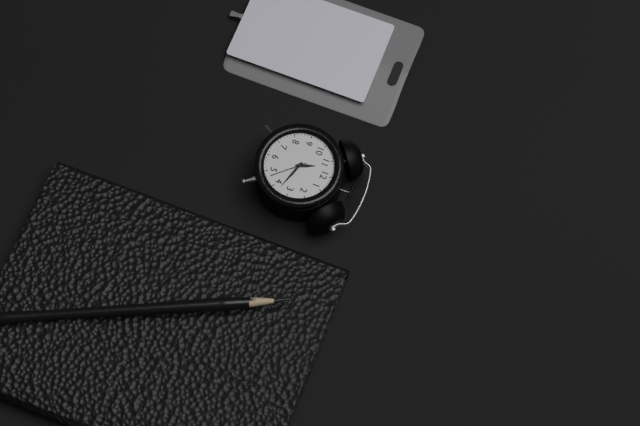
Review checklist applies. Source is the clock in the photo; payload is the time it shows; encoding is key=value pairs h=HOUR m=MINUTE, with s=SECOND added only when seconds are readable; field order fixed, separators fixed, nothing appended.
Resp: h=11 m=18
